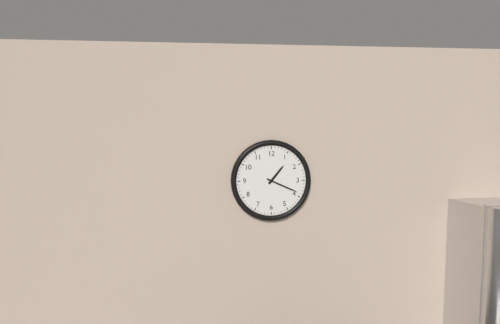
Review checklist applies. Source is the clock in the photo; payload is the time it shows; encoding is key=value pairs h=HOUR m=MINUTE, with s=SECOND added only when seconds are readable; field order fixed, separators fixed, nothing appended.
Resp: h=1 m=19
